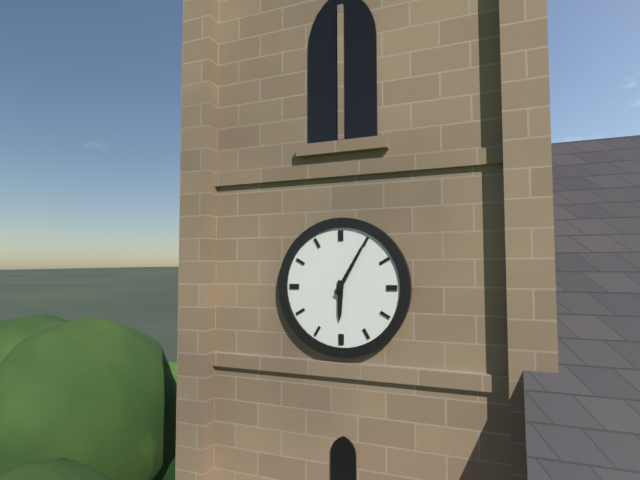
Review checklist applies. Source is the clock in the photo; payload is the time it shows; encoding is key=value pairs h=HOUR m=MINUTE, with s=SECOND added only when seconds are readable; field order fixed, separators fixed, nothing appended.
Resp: h=6 m=5
